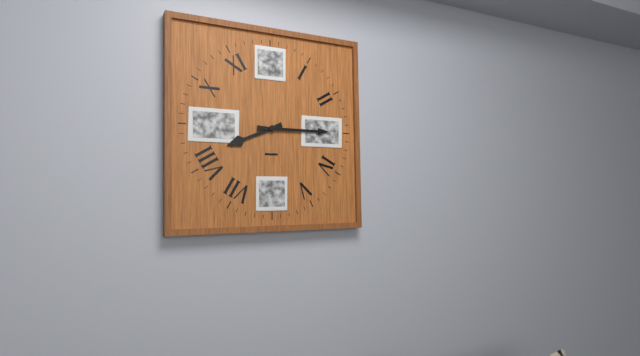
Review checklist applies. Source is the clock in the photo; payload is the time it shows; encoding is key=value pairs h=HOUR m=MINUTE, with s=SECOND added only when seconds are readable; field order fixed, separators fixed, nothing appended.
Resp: h=8 m=15
